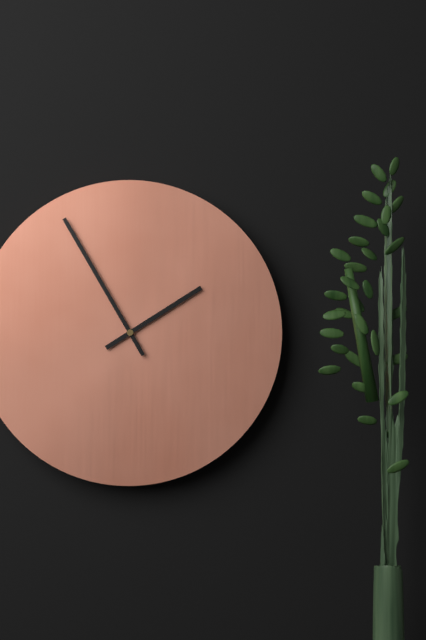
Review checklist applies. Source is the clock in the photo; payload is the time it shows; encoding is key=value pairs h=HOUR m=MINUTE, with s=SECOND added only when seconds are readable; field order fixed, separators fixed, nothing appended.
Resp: h=1 m=55
